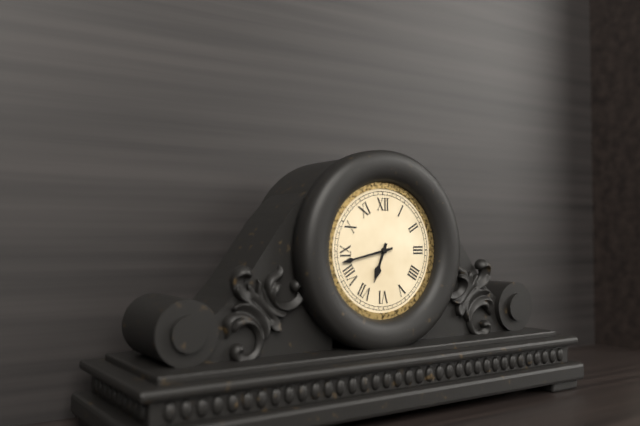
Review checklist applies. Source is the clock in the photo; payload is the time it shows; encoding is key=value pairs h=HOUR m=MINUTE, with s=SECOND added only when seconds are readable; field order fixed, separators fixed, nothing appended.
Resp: h=6 m=43
